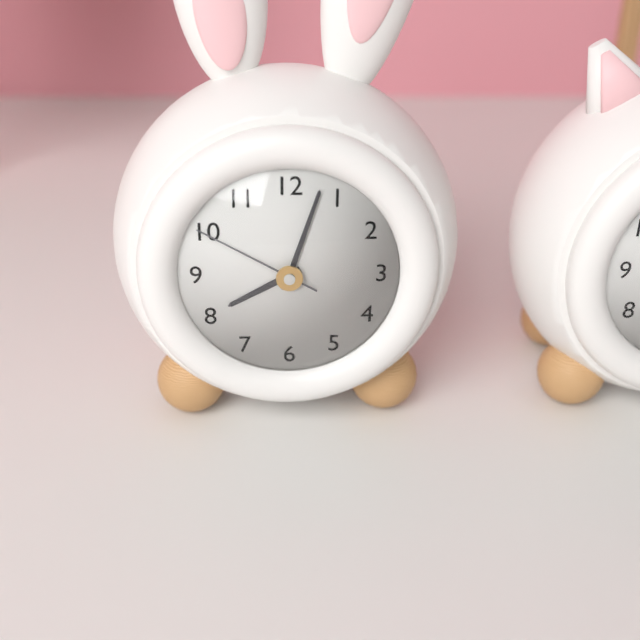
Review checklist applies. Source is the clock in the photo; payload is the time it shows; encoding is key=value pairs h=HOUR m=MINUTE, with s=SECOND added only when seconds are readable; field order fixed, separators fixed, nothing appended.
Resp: h=8 m=3 s=50
